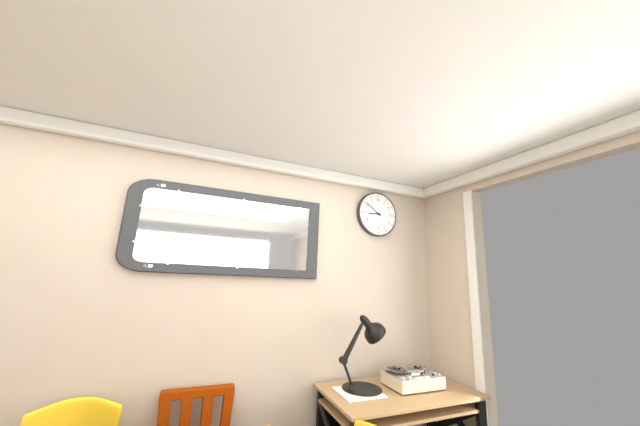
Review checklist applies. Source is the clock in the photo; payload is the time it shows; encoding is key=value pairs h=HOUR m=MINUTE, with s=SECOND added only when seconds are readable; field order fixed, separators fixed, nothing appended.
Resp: h=8 m=51
